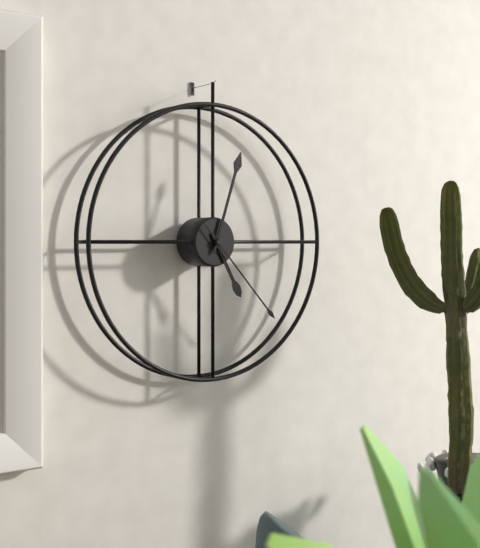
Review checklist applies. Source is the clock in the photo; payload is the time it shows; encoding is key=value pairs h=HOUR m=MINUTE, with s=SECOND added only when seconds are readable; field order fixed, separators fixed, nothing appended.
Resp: h=5 m=3 s=23
